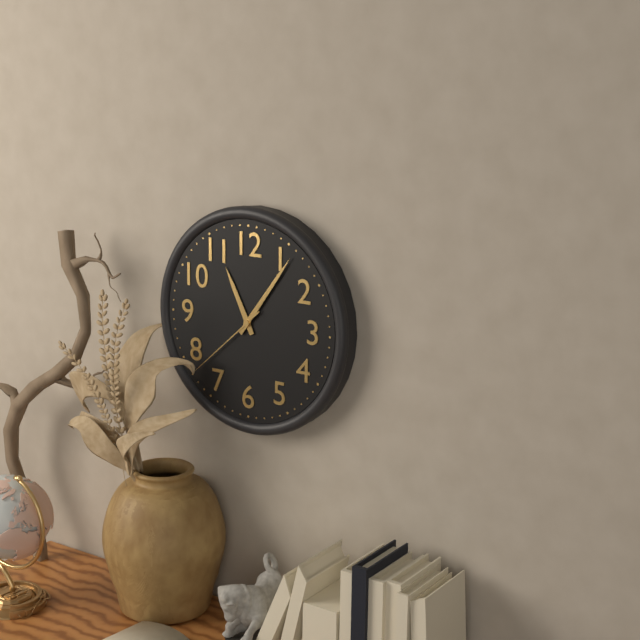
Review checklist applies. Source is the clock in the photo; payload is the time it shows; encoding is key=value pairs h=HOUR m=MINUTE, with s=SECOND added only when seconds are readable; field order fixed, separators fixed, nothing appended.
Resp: h=11 m=6 s=38
